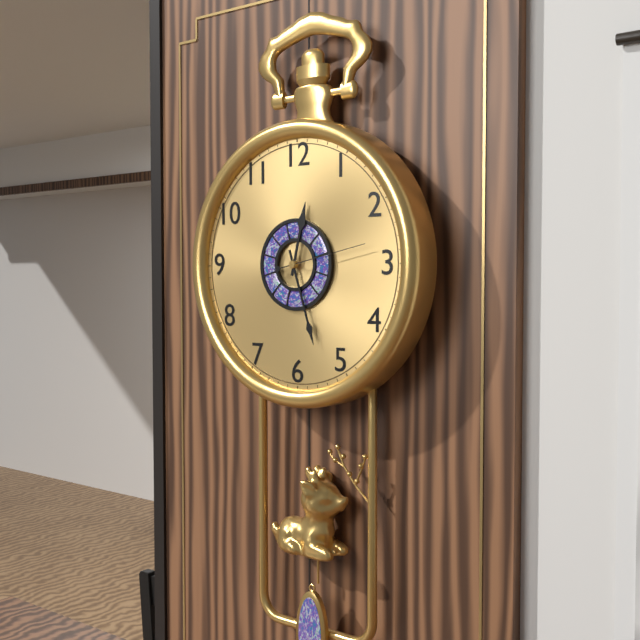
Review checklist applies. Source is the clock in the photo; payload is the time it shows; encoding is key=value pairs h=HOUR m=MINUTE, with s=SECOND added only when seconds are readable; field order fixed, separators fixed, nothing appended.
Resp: h=12 m=27 s=13
